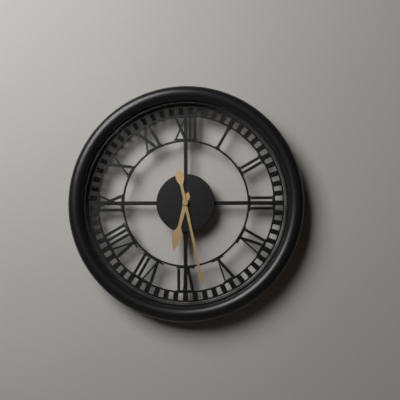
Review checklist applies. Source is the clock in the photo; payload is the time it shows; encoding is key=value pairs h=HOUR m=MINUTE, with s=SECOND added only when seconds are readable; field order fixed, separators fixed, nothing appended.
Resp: h=6 m=28
